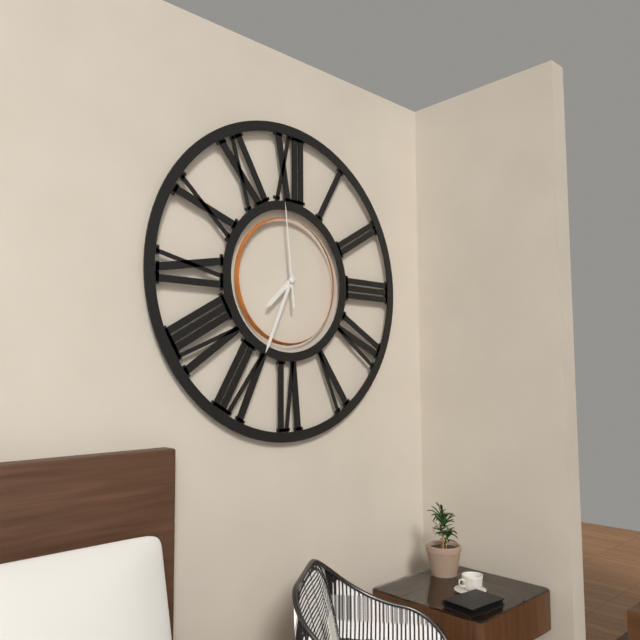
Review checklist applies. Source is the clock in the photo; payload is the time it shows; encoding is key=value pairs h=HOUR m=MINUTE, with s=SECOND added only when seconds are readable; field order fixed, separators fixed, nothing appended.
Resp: h=7 m=34 s=59
